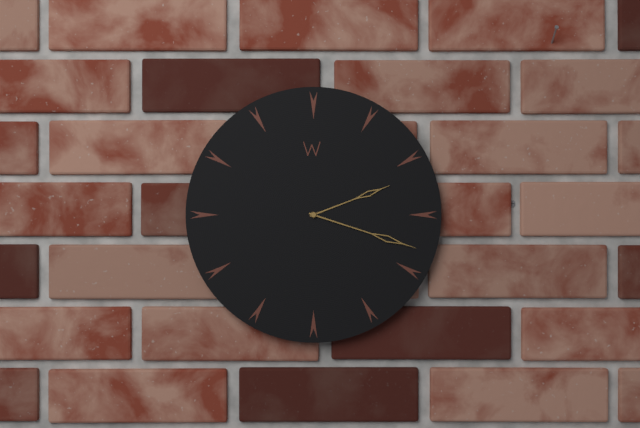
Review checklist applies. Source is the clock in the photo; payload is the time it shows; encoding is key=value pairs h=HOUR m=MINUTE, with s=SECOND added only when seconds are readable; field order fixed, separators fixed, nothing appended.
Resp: h=2 m=18
